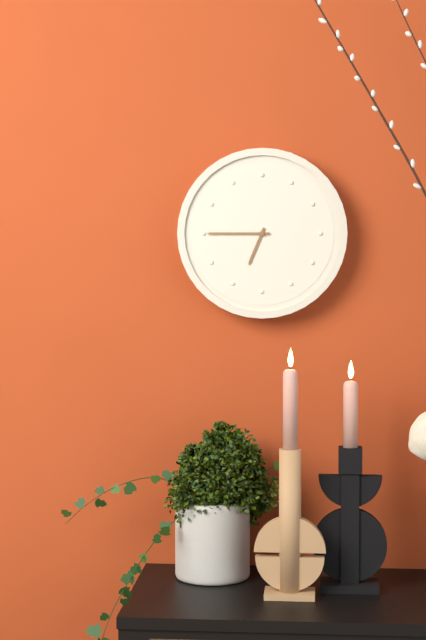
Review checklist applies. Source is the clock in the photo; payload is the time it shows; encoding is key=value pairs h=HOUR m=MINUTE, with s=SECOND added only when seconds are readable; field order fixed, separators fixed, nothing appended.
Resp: h=6 m=45
